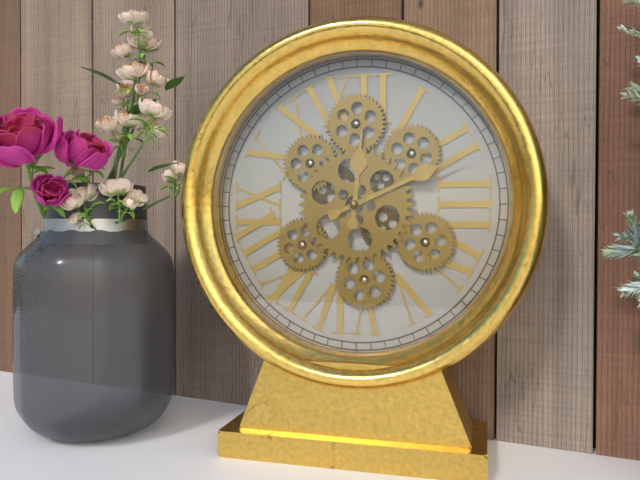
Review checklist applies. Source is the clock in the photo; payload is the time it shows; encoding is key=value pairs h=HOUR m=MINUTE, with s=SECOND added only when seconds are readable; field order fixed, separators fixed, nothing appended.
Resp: h=12 m=11
